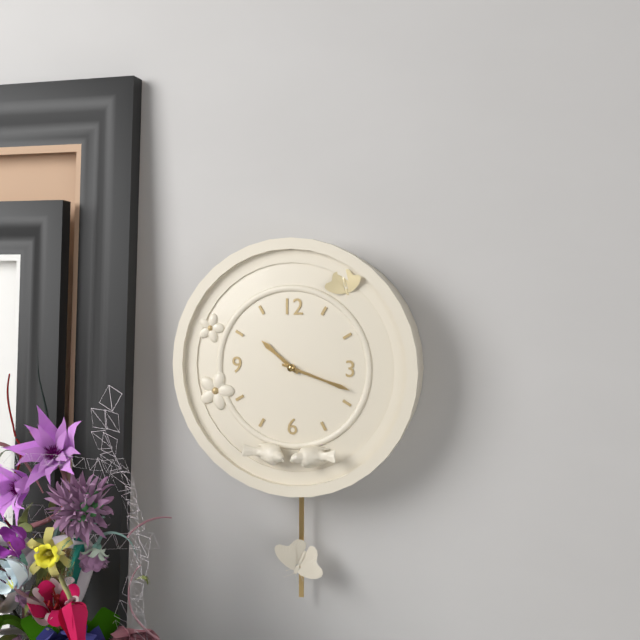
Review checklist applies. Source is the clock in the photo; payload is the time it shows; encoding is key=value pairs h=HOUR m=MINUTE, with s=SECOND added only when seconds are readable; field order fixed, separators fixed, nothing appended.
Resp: h=10 m=18
